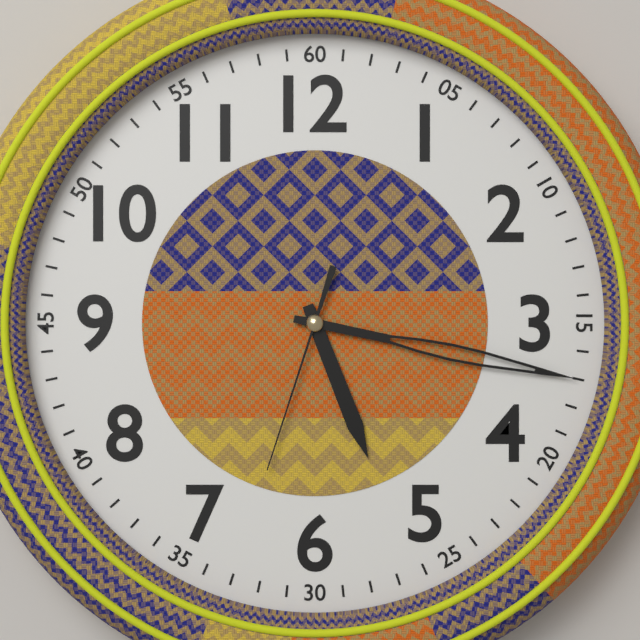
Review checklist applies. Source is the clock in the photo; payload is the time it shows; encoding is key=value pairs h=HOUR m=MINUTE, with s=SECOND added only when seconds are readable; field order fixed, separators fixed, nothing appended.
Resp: h=5 m=17 s=33
